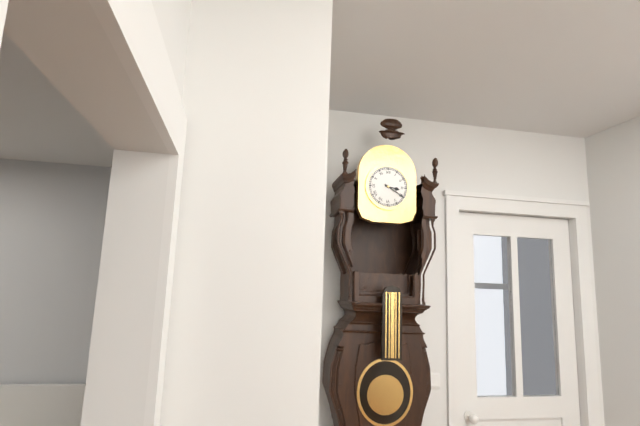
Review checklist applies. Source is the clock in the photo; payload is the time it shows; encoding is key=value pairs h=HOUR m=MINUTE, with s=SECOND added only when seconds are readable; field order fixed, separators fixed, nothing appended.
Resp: h=3 m=20
